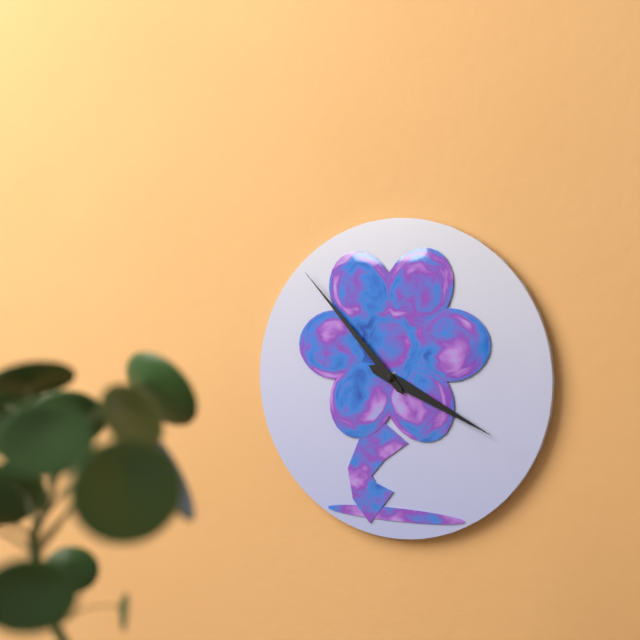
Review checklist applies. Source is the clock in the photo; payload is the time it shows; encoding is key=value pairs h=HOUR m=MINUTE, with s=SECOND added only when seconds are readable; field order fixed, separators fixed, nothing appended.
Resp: h=3 m=53
